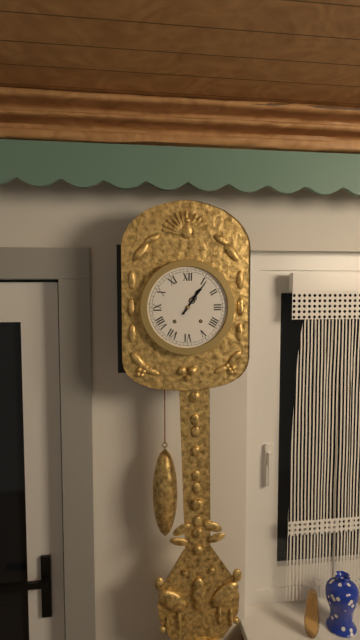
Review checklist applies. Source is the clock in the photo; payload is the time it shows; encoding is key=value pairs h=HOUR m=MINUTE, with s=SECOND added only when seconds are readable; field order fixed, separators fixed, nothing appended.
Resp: h=1 m=6
